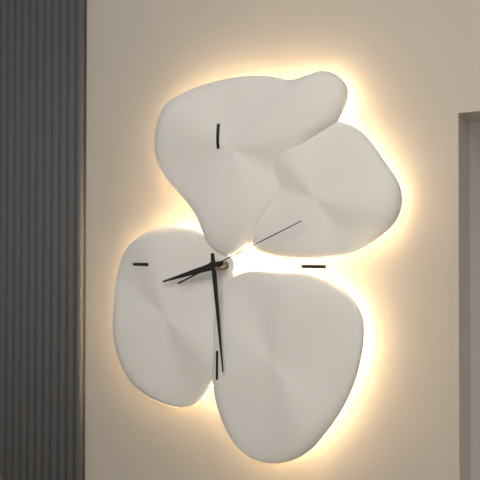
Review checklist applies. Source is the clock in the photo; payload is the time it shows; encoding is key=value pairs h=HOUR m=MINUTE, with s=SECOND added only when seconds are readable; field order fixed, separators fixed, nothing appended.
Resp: h=8 m=29 s=11
